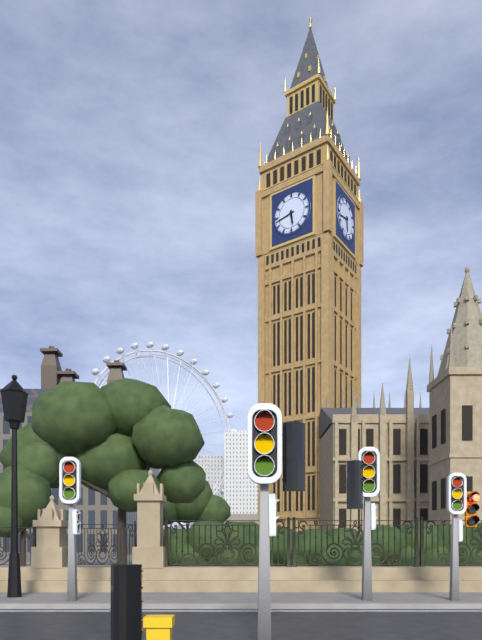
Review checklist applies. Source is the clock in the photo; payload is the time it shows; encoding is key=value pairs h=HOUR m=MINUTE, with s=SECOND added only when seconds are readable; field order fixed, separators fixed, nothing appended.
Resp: h=5 m=43
